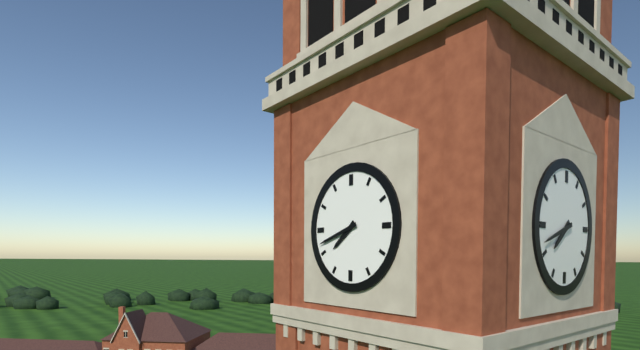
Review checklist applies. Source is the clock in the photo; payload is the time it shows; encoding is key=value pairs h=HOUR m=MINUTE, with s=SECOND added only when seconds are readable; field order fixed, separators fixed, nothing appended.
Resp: h=7 m=42
